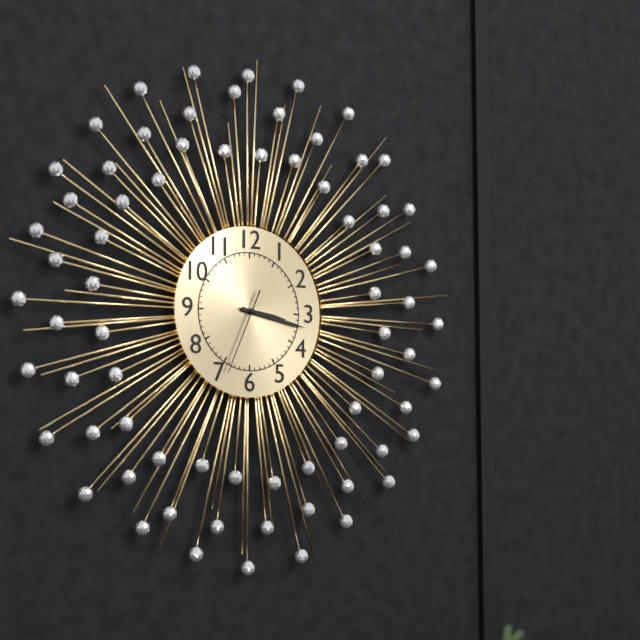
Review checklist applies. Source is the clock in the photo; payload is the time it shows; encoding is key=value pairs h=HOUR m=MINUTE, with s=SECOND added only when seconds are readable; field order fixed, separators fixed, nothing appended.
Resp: h=3 m=17 s=34
